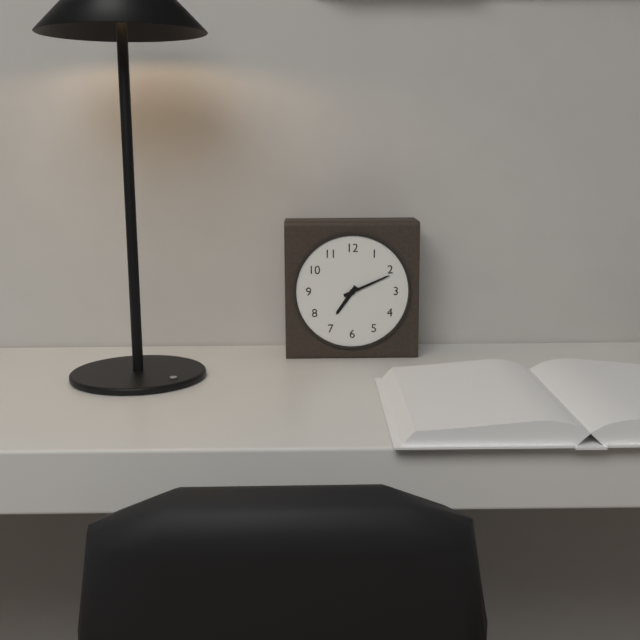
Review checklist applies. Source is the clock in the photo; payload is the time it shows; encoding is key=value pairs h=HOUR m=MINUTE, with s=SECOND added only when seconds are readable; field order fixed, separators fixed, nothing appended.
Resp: h=7 m=11
